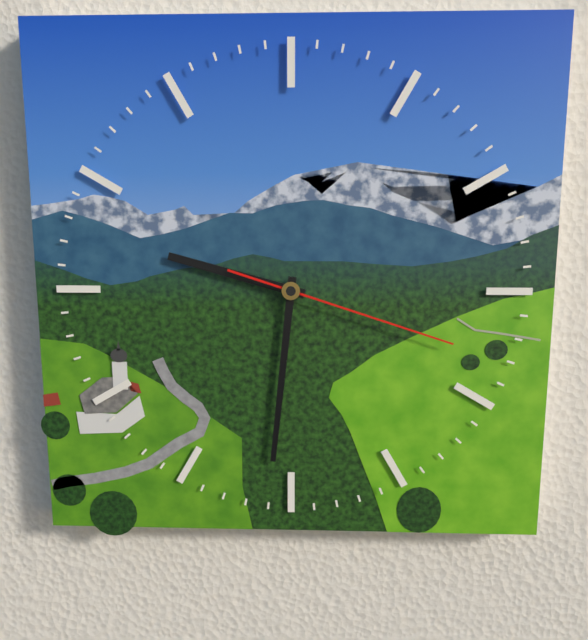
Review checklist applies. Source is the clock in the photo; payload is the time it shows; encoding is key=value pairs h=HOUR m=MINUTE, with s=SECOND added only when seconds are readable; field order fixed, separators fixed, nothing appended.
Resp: h=9 m=31 s=18
